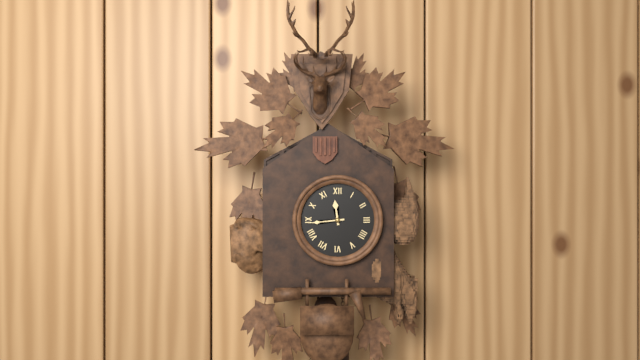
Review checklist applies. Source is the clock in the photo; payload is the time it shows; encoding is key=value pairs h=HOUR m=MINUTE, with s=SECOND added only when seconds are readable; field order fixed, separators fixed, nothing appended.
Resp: h=11 m=44
